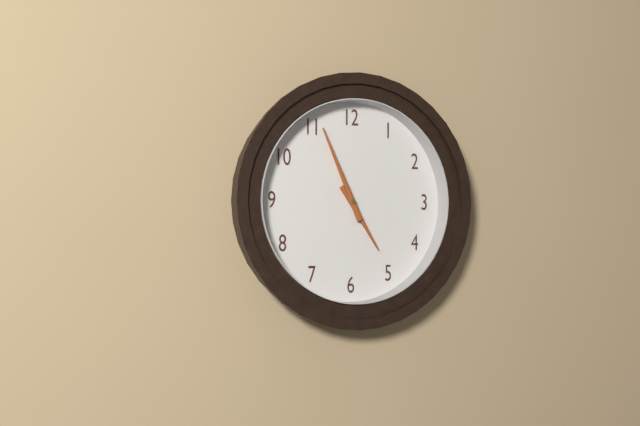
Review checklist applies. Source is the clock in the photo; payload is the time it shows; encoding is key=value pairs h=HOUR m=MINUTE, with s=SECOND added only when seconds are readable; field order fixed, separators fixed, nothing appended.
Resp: h=4 m=56
